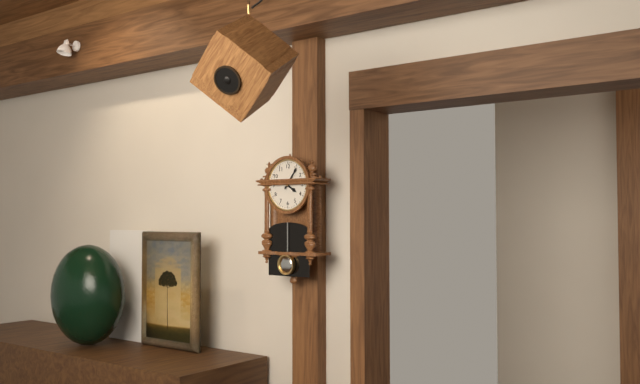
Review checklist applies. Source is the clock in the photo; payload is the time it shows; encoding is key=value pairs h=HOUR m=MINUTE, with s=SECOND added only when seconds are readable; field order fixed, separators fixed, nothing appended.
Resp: h=4 m=6
